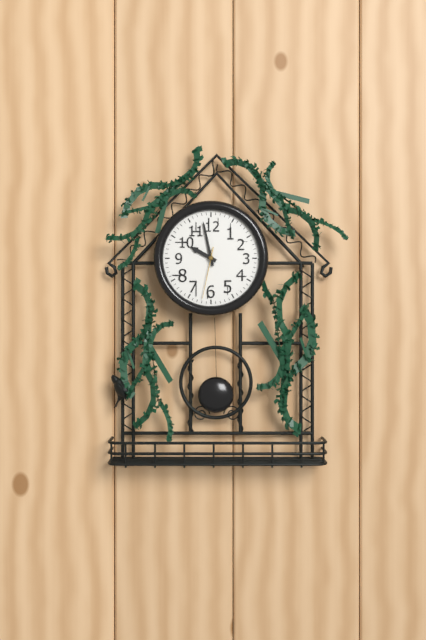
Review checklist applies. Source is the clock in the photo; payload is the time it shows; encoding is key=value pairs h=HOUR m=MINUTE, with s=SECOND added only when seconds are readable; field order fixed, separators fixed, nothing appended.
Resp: h=9 m=58 s=32
